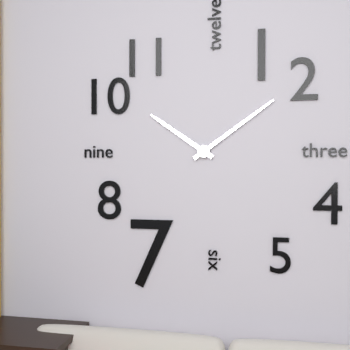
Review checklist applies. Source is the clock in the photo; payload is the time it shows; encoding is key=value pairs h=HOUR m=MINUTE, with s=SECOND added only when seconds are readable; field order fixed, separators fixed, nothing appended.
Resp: h=10 m=9
